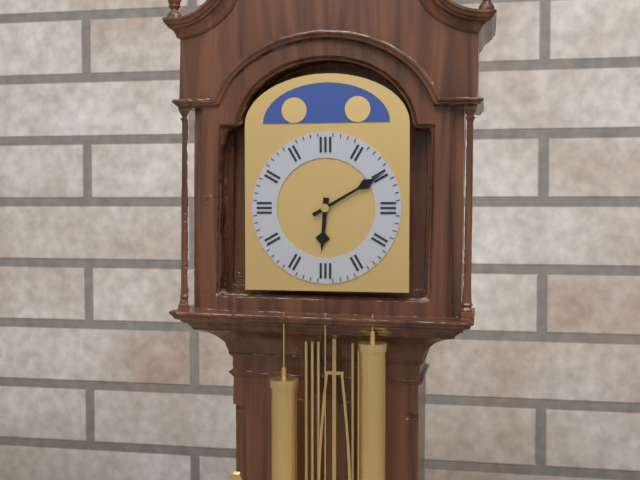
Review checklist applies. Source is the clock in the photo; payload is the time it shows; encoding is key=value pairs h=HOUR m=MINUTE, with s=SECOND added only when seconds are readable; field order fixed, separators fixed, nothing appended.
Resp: h=6 m=10
